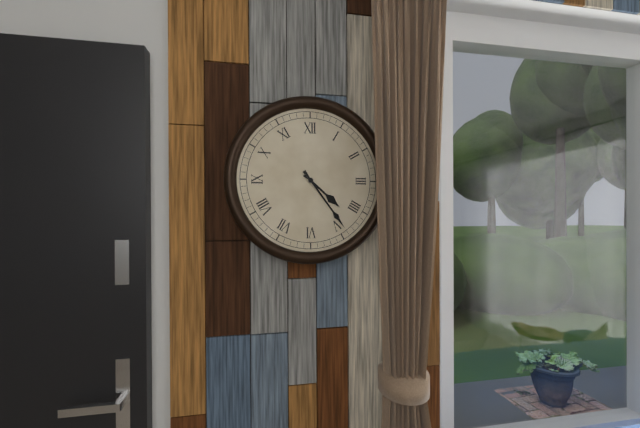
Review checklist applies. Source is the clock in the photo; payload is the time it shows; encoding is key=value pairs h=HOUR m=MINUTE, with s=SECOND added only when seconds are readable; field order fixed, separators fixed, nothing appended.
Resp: h=4 m=24
